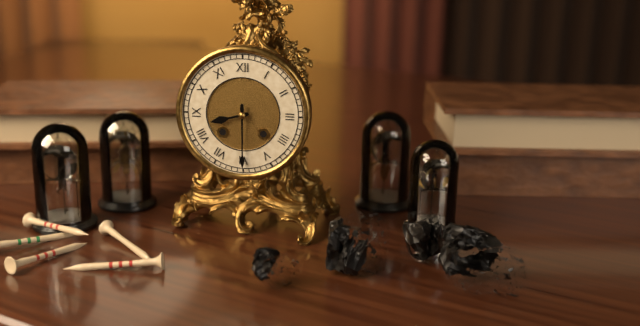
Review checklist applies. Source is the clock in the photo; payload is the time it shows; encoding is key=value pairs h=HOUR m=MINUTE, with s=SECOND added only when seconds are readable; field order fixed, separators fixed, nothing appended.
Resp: h=8 m=30
